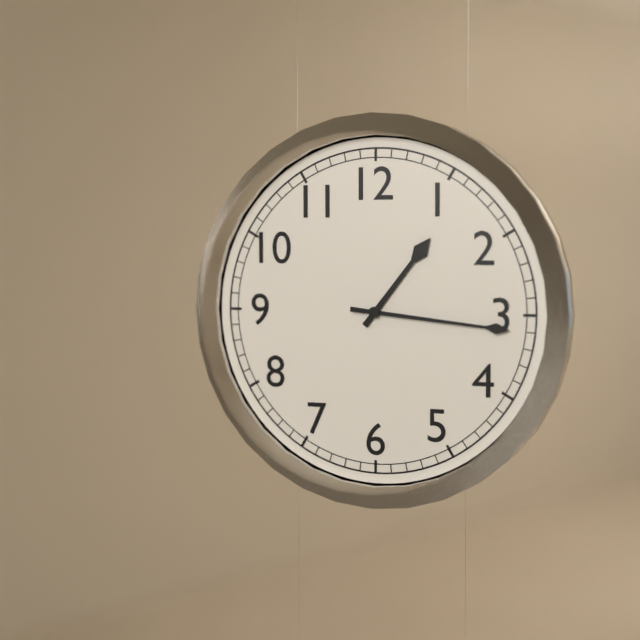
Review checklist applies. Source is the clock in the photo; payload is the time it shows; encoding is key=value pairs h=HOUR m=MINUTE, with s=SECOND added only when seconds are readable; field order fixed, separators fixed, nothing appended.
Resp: h=1 m=16
